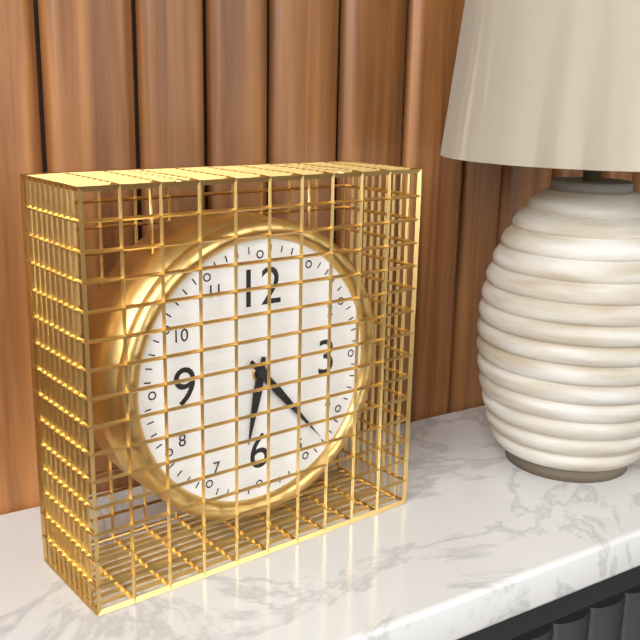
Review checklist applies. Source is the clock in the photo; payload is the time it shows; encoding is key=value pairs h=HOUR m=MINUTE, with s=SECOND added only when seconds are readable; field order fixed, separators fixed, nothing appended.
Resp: h=6 m=23
